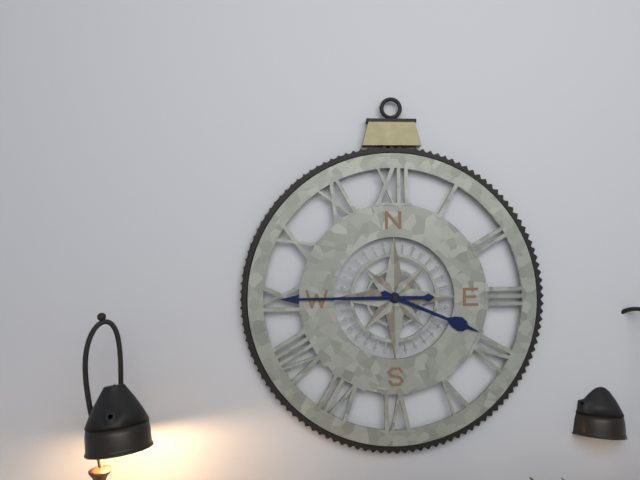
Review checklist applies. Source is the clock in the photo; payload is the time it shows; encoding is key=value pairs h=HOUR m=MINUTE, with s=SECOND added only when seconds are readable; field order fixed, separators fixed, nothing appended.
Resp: h=3 m=45
